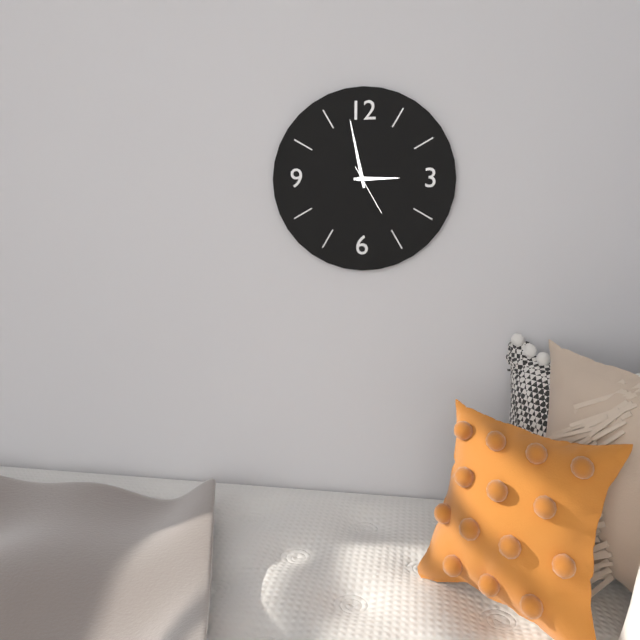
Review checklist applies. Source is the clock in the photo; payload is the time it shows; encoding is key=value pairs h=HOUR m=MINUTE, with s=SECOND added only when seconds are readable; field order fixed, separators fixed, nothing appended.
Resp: h=2 m=58
